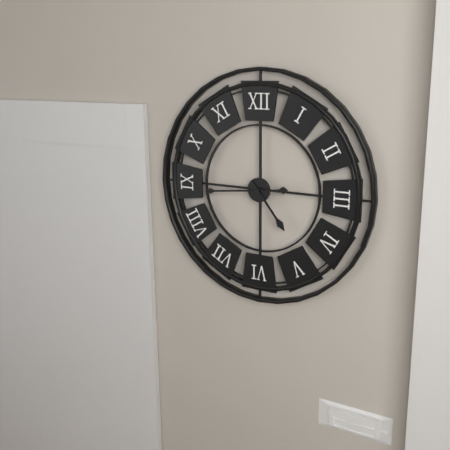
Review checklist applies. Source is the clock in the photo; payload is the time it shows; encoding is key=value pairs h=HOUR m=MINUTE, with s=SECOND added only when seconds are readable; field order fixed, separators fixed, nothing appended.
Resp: h=4 m=44
